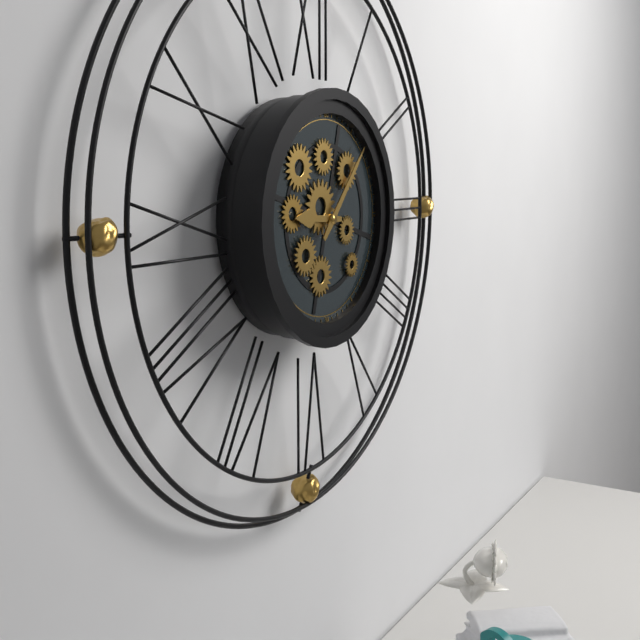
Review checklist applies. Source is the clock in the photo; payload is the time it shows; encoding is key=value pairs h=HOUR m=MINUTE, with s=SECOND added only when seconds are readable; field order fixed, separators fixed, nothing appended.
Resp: h=9 m=7
